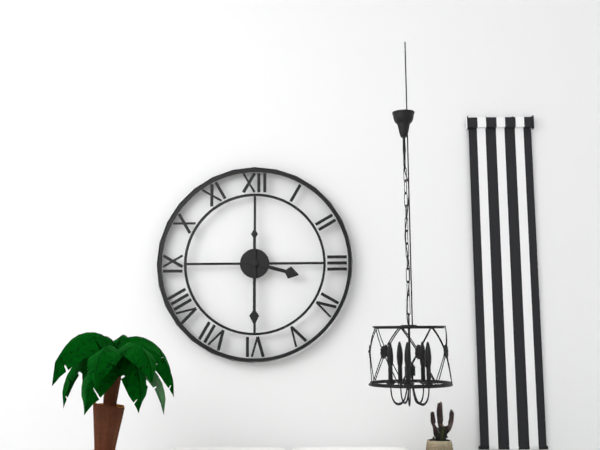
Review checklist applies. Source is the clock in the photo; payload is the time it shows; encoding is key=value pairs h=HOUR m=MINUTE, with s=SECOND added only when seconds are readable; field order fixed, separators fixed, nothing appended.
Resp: h=3 m=30
